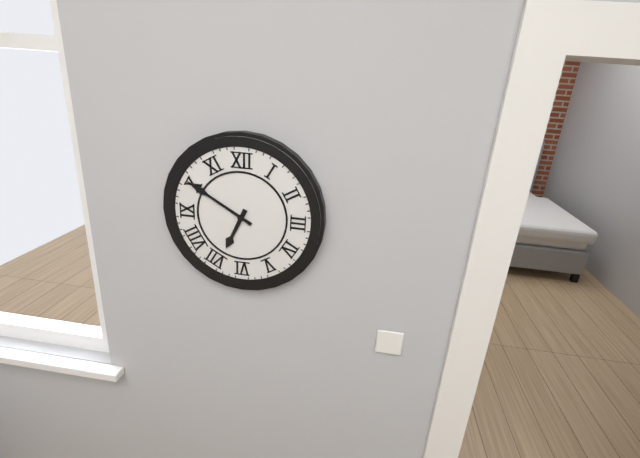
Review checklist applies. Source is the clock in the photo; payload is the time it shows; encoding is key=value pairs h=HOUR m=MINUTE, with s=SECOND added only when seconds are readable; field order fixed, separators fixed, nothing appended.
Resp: h=6 m=50
